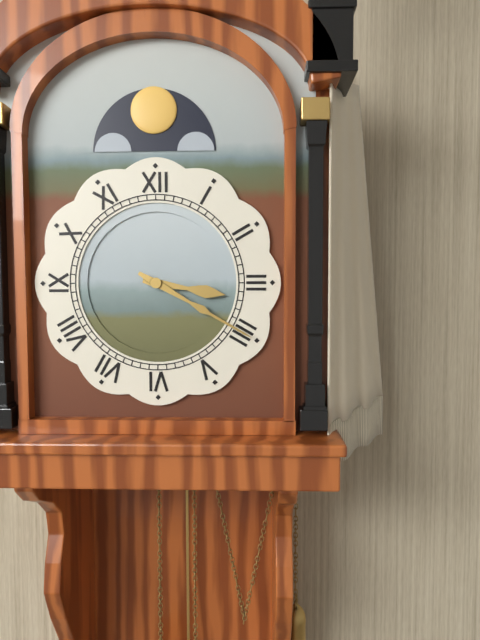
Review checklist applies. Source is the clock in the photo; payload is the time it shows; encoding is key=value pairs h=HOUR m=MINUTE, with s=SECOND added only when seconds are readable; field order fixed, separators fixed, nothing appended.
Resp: h=3 m=20
